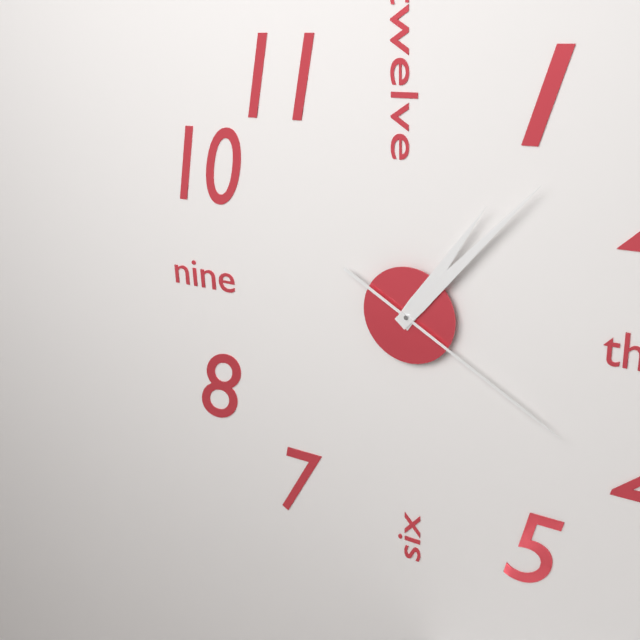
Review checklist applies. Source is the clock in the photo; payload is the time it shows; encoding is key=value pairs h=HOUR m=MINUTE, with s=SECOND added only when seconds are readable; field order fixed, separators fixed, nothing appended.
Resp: h=1 m=7 s=20
